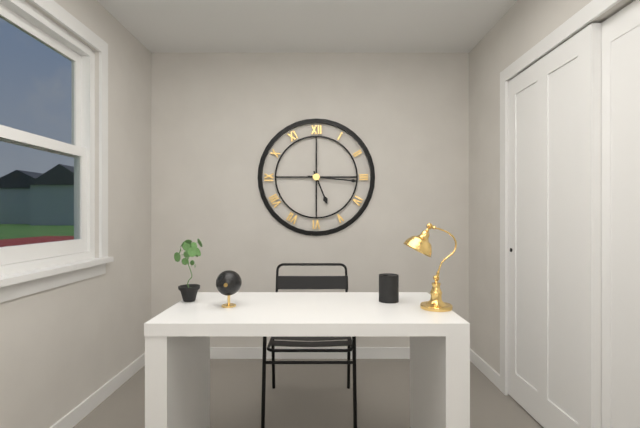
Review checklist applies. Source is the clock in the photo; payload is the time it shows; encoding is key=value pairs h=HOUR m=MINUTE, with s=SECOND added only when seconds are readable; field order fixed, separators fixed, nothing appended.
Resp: h=5 m=16
